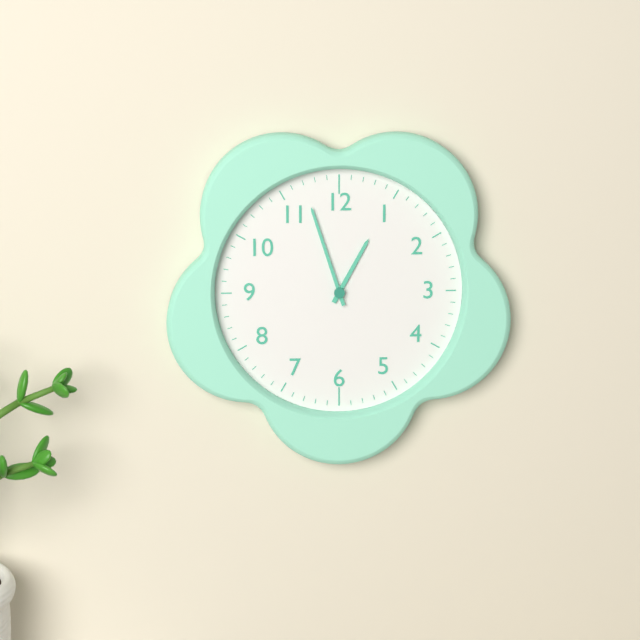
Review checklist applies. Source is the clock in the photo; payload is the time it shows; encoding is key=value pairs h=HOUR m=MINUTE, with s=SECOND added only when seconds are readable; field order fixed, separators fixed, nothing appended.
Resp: h=12 m=57
